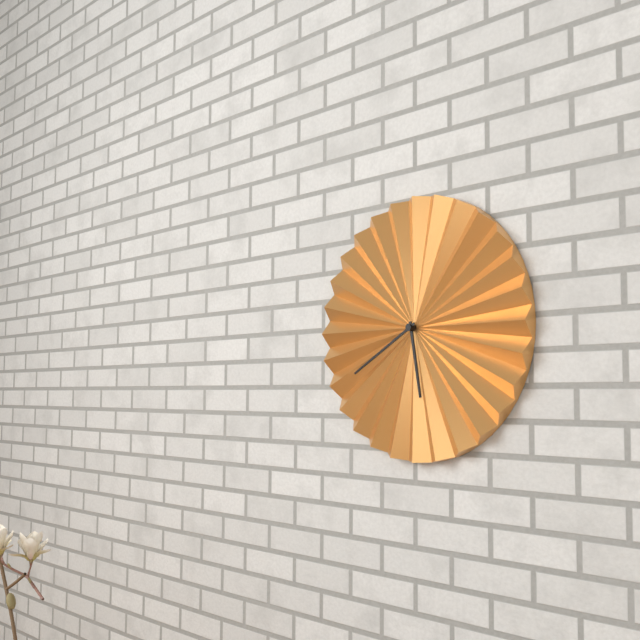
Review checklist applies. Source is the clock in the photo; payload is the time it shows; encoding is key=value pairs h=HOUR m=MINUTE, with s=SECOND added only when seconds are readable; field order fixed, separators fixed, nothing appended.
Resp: h=5 m=40
